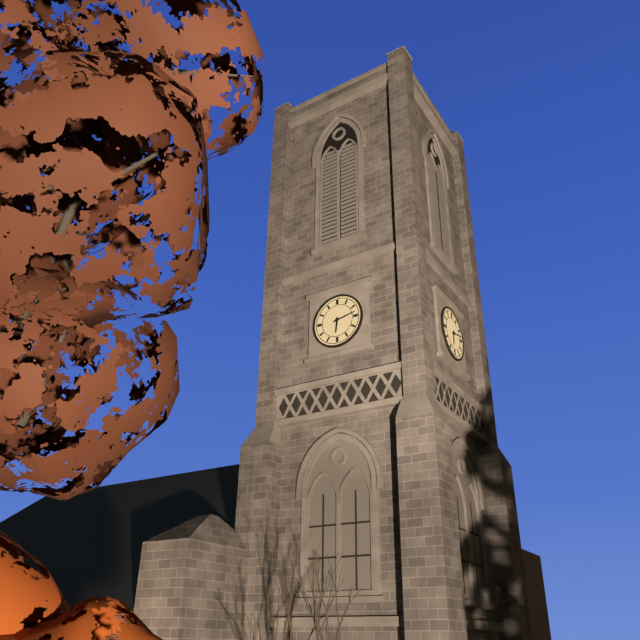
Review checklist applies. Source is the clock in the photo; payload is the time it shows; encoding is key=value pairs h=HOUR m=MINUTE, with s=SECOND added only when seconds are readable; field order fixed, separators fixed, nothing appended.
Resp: h=6 m=13
